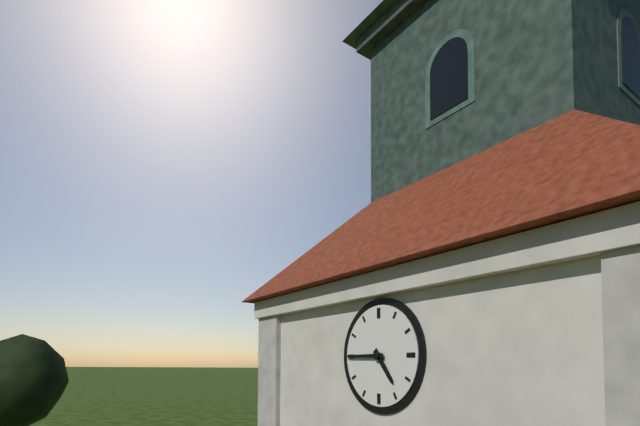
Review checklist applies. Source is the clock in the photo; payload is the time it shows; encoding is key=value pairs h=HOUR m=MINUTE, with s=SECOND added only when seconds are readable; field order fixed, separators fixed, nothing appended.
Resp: h=4 m=45
